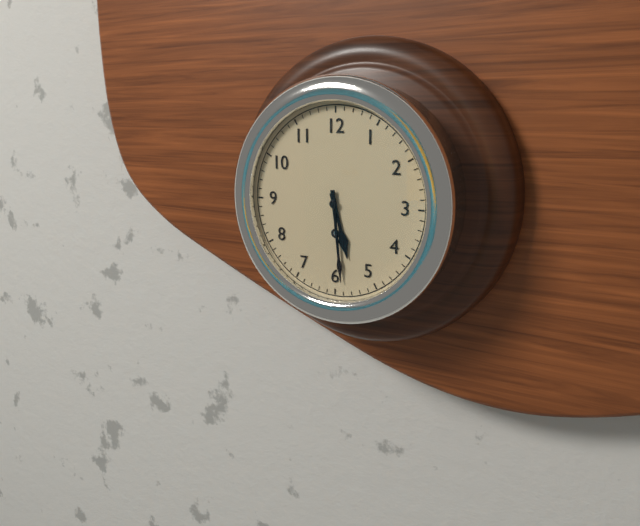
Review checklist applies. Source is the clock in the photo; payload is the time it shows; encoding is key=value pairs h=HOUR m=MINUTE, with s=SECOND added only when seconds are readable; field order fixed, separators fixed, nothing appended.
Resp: h=5 m=29
